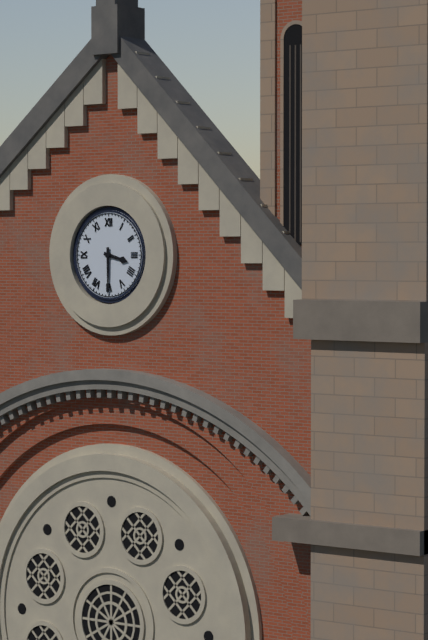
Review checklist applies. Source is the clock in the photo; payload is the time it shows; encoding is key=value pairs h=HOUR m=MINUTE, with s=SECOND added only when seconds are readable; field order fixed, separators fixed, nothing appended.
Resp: h=3 m=30
